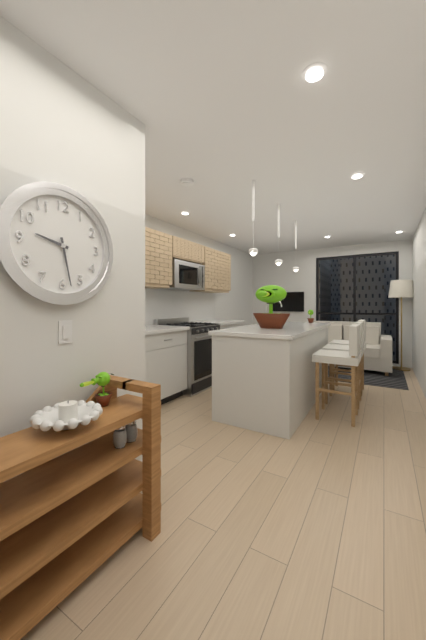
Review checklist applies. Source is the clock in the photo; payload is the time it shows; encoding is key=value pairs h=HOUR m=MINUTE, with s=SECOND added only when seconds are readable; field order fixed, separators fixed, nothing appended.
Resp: h=9 m=28
